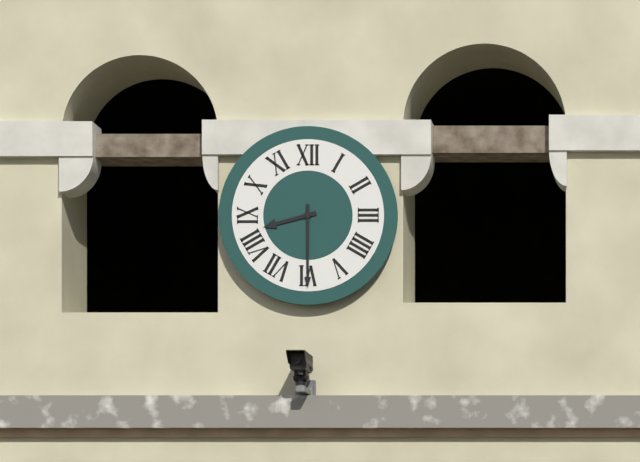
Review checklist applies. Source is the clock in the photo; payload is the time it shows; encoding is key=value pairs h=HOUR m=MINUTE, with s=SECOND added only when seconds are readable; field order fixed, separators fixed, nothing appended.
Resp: h=8 m=30
